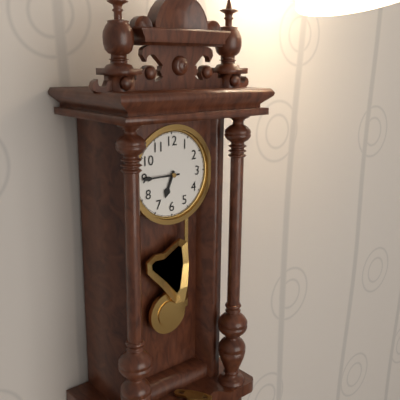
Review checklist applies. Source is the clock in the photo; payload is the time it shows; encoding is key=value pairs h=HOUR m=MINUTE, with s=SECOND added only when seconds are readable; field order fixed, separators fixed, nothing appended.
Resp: h=6 m=45
